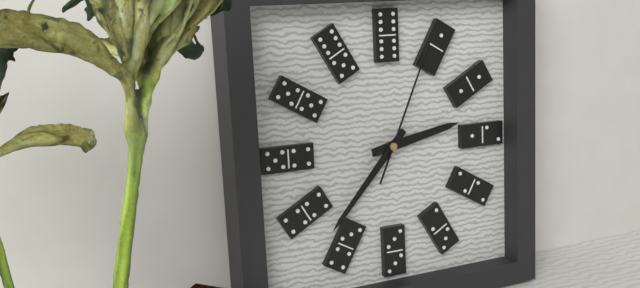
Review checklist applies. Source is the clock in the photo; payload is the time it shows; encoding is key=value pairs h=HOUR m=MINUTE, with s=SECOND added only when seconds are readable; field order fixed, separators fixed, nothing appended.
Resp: h=2 m=37 s=4
